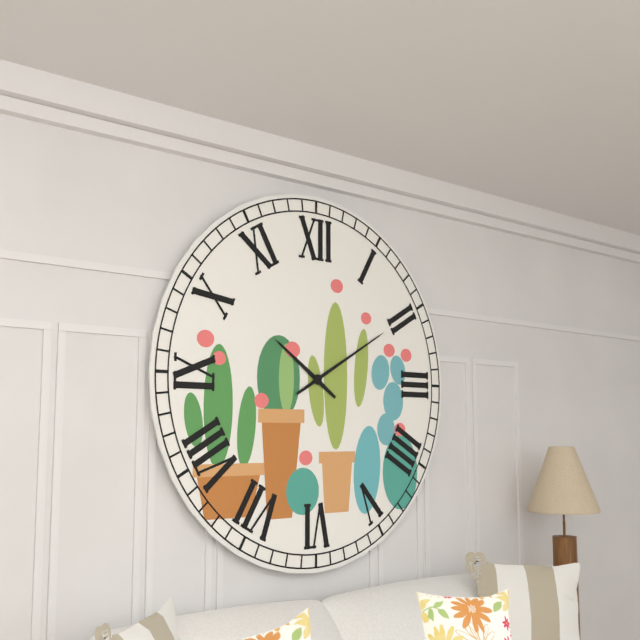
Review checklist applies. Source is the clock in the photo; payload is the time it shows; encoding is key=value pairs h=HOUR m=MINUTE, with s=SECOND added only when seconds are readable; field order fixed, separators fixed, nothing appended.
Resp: h=10 m=10
